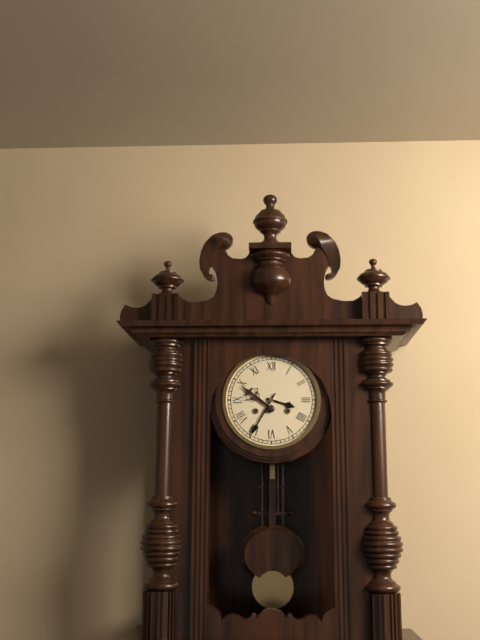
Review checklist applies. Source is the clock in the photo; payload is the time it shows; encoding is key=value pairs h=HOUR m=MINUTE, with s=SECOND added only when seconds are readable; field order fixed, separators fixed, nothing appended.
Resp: h=3 m=35
